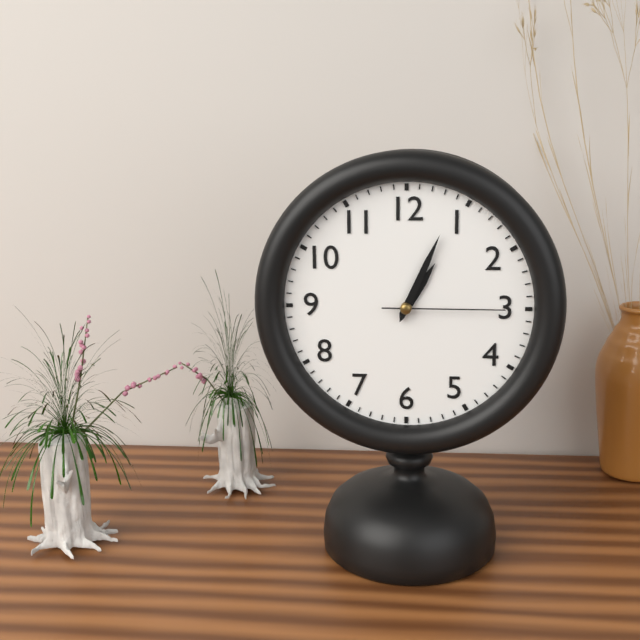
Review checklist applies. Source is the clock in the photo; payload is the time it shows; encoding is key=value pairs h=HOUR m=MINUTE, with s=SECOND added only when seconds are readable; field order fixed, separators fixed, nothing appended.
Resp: h=1 m=4 s=15
